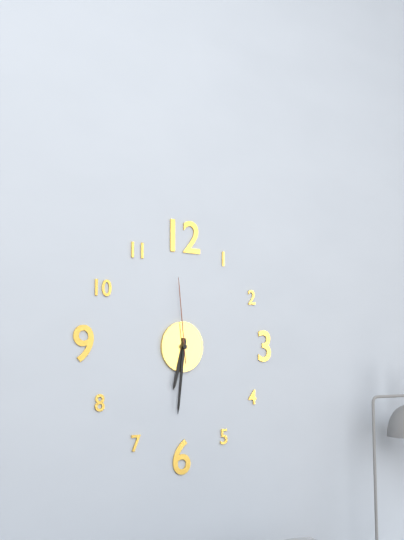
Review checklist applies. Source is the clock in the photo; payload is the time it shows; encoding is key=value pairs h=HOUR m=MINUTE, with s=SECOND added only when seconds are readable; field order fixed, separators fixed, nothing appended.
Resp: h=6 m=31 s=59
